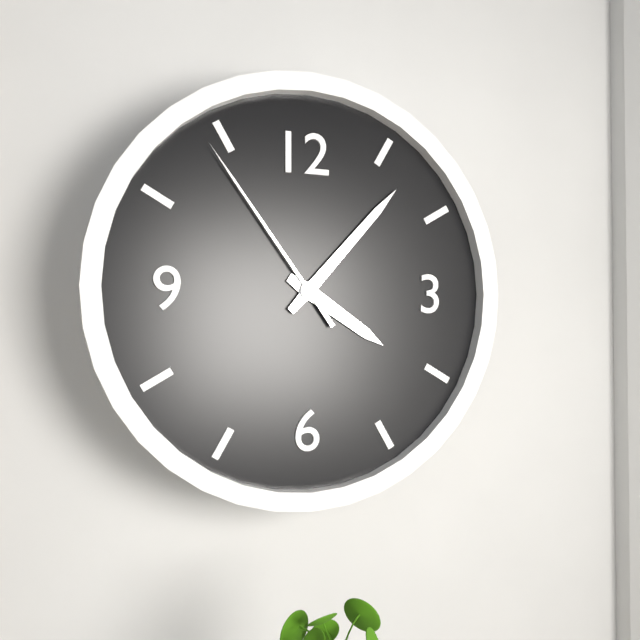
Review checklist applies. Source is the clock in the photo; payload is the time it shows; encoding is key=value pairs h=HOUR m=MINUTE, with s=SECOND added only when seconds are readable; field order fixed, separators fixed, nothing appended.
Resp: h=4 m=7 s=54
